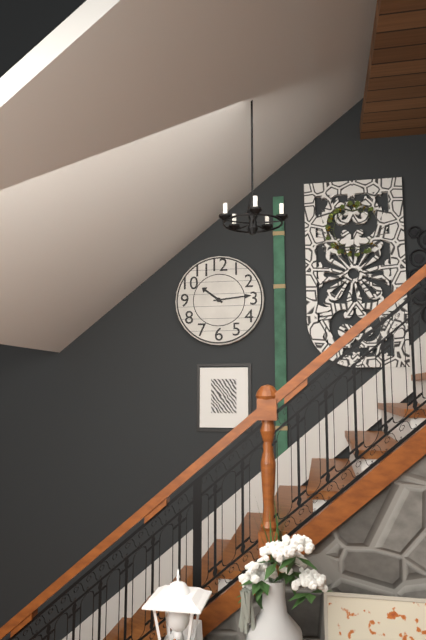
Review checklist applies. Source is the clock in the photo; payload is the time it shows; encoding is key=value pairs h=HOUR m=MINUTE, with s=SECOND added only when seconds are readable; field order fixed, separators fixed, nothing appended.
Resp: h=10 m=14
